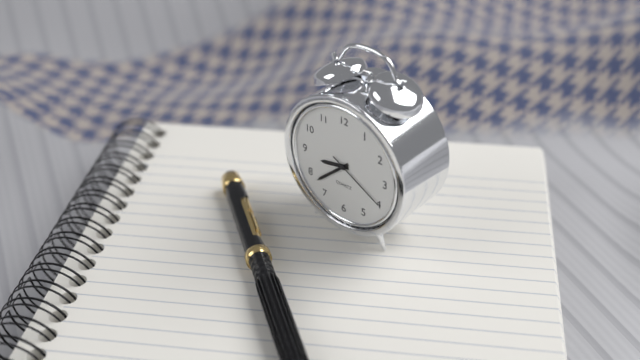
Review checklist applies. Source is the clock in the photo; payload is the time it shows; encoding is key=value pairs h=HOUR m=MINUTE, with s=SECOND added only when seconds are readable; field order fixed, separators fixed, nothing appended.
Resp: h=8 m=38 s=20
